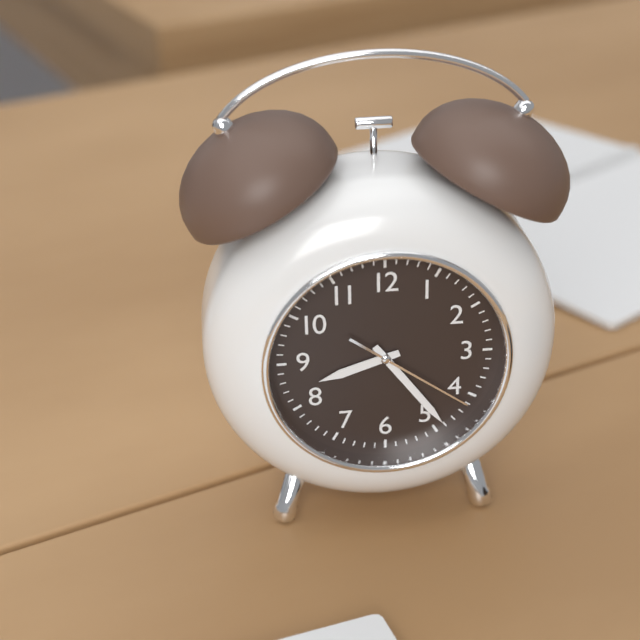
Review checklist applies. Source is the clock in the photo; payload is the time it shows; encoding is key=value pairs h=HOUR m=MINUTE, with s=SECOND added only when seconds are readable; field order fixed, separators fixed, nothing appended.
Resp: h=8 m=24 s=21
